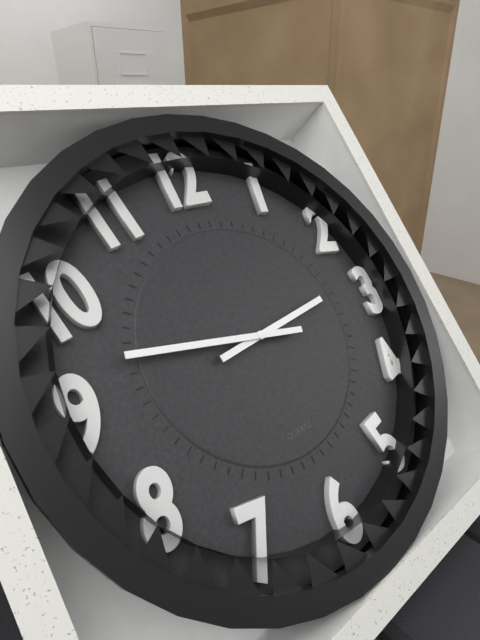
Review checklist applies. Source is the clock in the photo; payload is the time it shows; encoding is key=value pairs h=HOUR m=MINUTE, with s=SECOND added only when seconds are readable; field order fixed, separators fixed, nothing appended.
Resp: h=2 m=47
